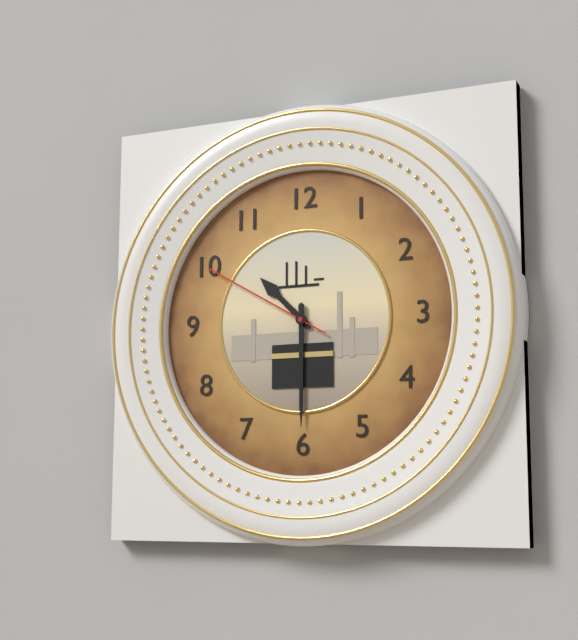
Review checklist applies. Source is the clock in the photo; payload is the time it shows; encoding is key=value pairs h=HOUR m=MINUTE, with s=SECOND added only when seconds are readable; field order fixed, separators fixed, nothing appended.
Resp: h=10 m=30 s=50
